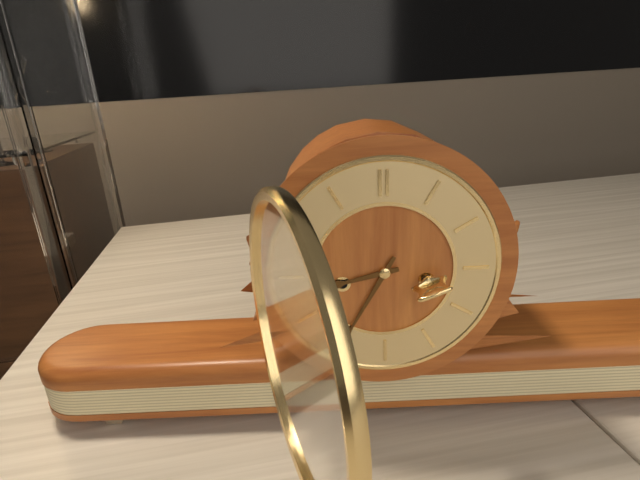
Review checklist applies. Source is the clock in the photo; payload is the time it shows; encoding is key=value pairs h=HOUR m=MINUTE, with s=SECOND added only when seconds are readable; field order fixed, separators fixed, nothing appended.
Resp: h=8 m=35
